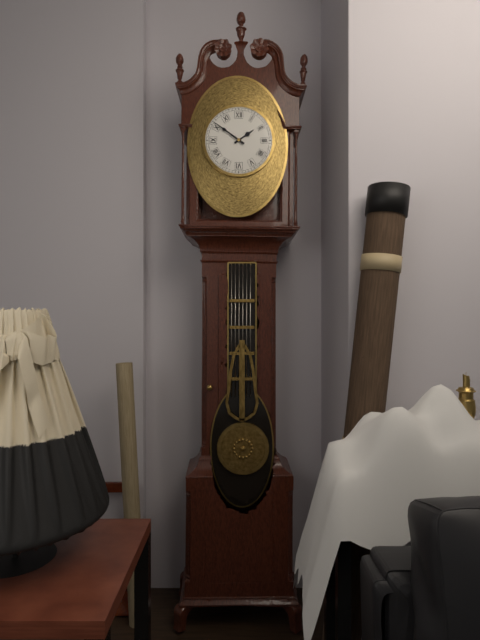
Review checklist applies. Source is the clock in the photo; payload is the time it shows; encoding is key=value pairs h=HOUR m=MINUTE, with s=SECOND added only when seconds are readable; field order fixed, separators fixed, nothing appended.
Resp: h=1 m=51
